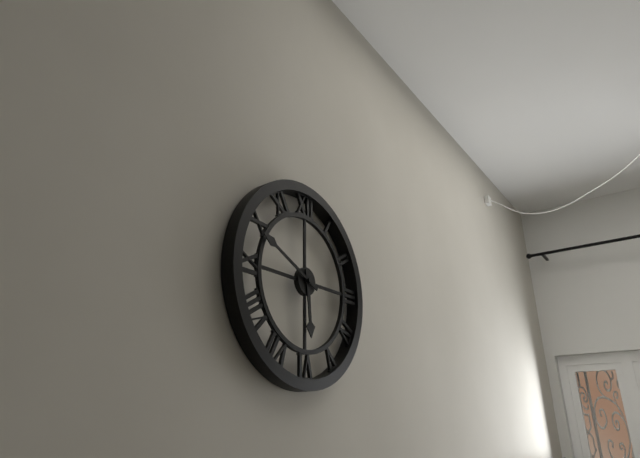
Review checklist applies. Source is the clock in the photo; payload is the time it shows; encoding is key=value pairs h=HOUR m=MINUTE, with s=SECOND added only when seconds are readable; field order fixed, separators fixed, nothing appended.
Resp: h=5 m=49
